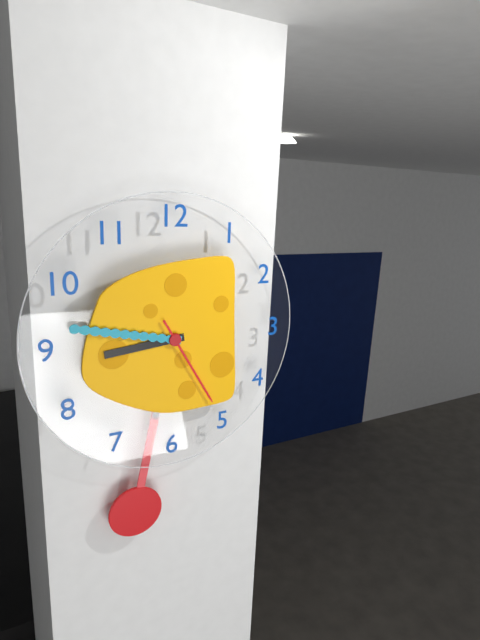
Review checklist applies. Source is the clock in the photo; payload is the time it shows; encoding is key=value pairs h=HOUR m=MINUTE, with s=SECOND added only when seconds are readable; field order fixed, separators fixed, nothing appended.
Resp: h=8 m=47 s=25
